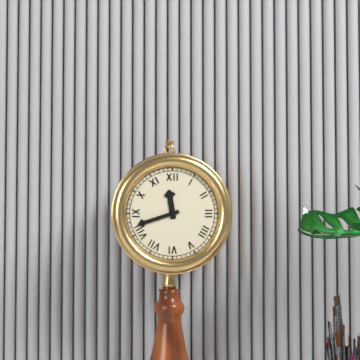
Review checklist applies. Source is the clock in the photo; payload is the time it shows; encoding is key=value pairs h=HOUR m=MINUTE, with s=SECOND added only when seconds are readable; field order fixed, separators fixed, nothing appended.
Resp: h=11 m=42
